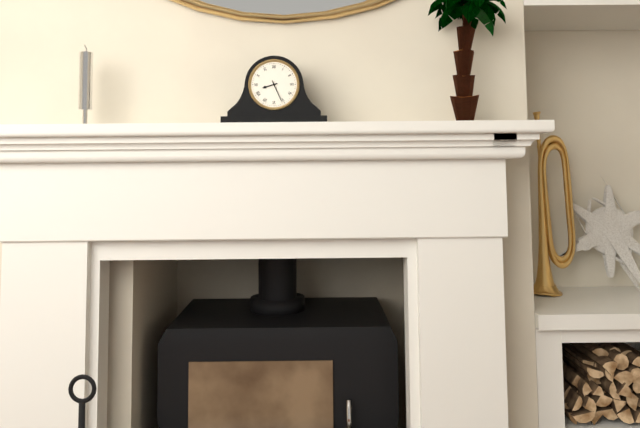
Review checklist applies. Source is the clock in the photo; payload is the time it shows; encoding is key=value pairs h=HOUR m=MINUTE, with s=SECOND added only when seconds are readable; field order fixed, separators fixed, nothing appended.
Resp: h=8 m=26
